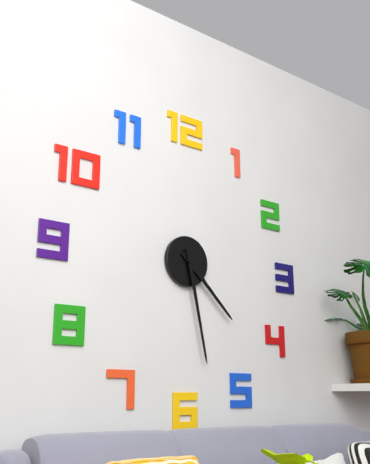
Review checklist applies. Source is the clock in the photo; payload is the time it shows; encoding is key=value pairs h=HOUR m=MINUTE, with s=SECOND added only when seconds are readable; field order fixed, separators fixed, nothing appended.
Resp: h=4 m=28
